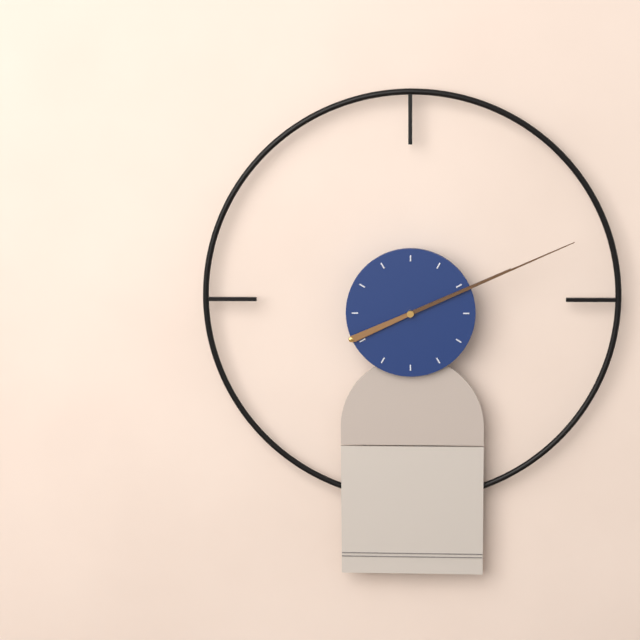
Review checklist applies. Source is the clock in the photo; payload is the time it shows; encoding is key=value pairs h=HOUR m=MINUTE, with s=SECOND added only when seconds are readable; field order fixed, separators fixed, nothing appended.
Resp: h=2 m=11
